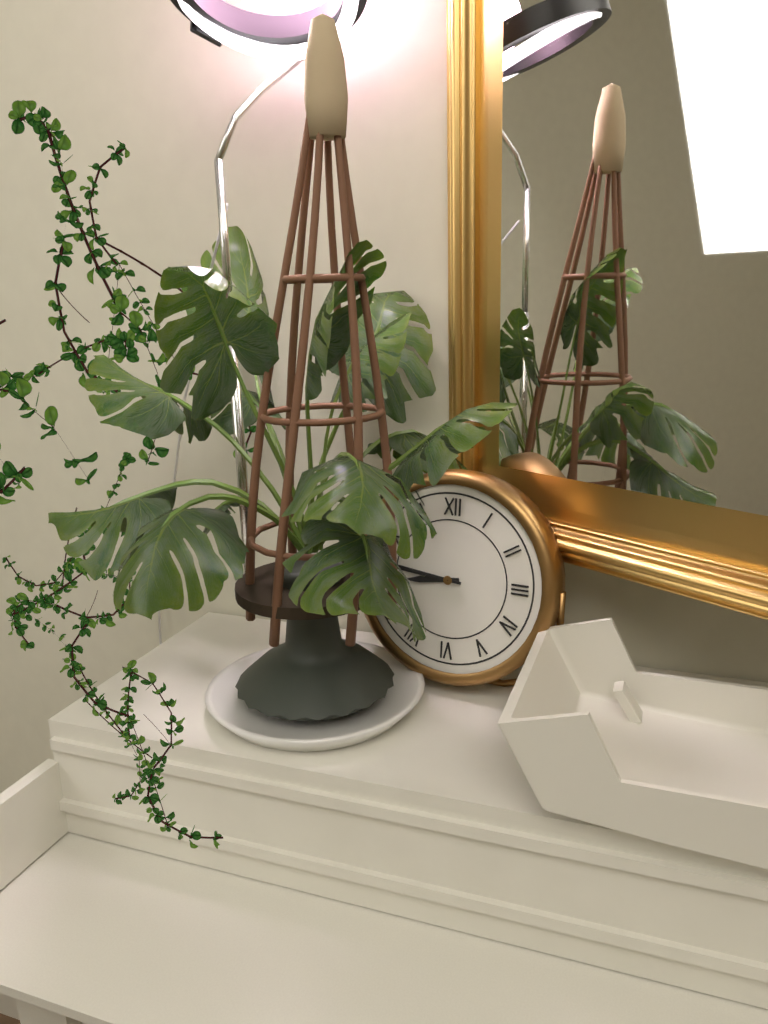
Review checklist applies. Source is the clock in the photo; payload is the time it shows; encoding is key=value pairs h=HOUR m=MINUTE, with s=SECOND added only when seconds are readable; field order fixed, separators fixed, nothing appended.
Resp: h=8 m=46
